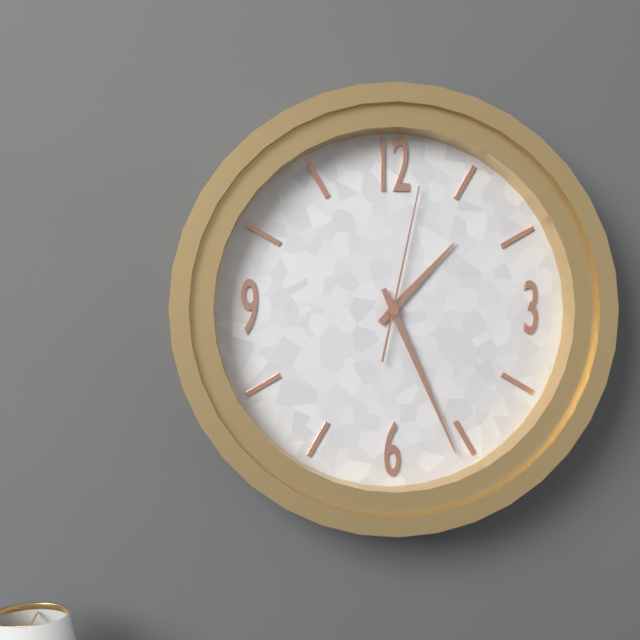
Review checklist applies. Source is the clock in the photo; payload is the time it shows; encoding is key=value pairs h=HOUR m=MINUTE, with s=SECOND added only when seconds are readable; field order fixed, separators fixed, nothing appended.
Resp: h=1 m=26 s=2
